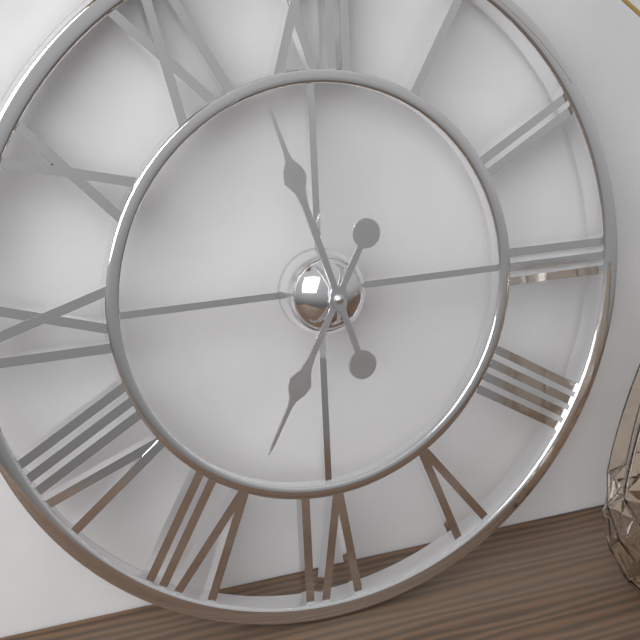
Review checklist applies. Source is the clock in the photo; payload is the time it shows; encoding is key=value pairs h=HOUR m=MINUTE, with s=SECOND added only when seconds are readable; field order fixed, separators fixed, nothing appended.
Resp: h=6 m=57
